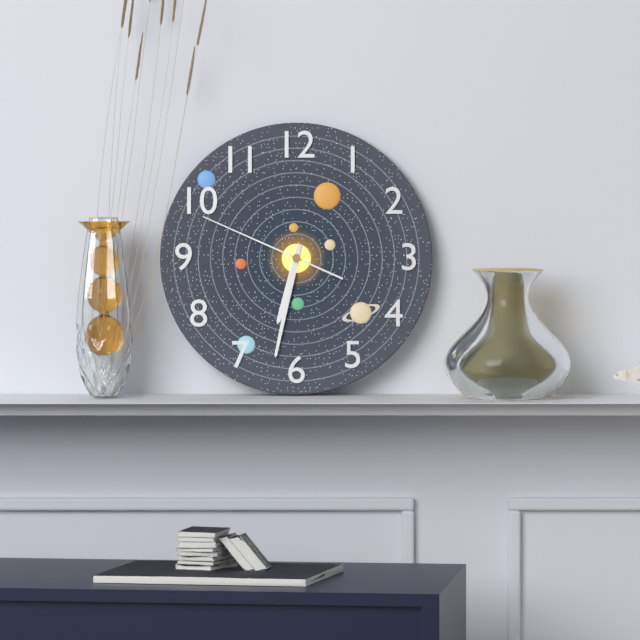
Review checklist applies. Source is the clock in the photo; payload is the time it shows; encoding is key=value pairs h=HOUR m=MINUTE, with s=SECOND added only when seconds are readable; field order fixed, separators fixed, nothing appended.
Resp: h=6 m=32 s=49
